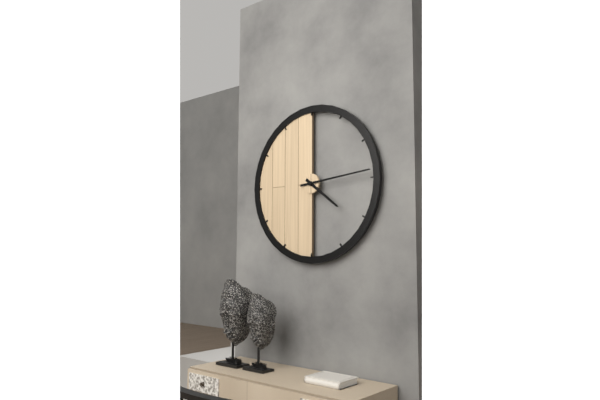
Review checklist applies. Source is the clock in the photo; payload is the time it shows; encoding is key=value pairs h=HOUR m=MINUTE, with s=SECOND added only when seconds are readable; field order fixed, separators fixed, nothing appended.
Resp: h=4 m=14
